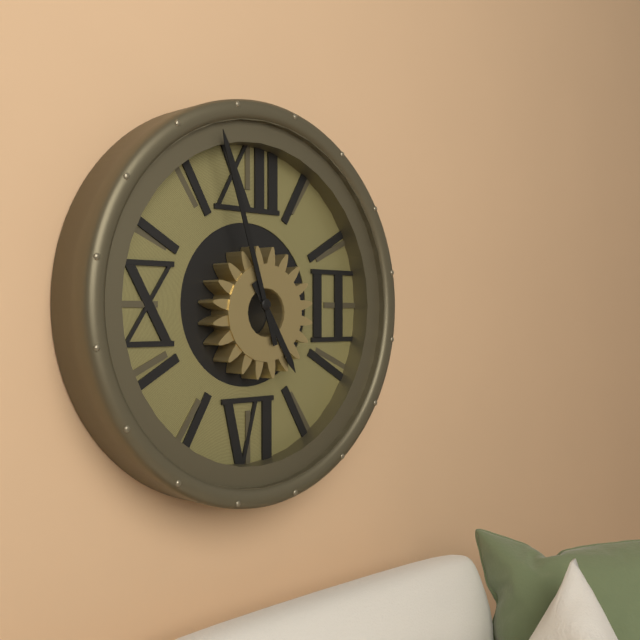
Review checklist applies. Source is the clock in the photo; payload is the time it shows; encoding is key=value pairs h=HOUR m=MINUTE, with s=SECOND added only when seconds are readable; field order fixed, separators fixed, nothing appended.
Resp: h=4 m=57
